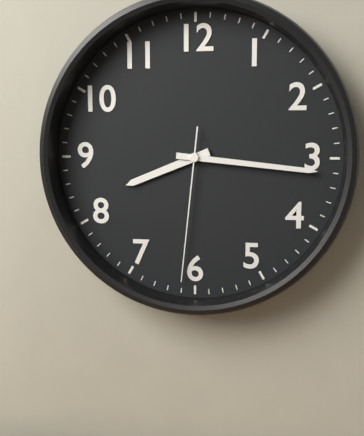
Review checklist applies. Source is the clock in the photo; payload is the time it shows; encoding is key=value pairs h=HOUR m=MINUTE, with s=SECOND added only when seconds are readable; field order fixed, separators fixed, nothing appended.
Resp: h=8 m=16 s=31
